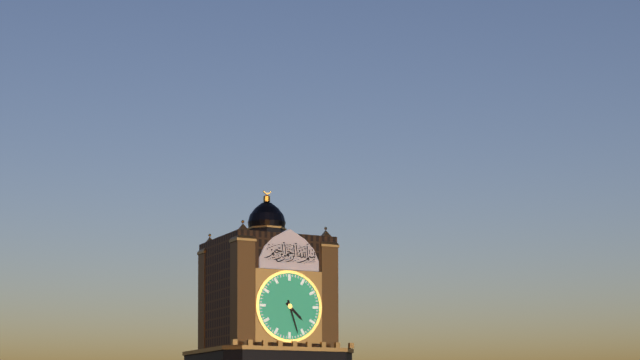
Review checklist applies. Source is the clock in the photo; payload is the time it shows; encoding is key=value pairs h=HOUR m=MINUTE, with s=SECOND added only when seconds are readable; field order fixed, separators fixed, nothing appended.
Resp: h=4 m=27
